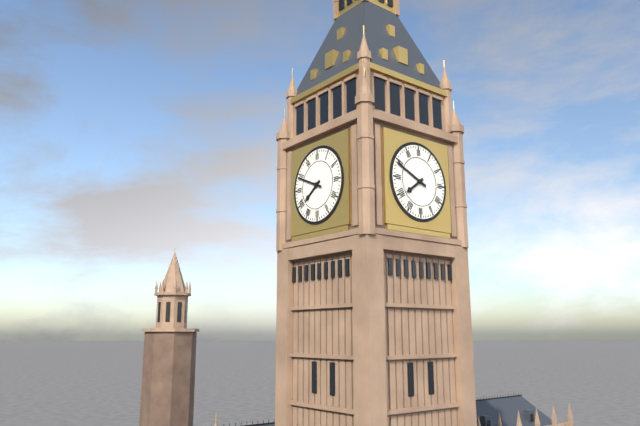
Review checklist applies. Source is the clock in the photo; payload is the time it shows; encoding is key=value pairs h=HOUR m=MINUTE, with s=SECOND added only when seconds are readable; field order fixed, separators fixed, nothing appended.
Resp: h=7 m=49
